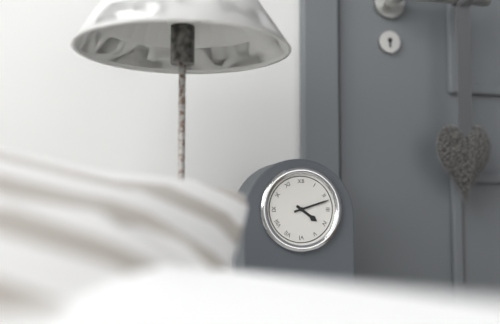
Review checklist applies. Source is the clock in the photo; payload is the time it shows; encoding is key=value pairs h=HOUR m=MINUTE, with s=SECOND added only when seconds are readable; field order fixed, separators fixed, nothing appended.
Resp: h=4 m=12
